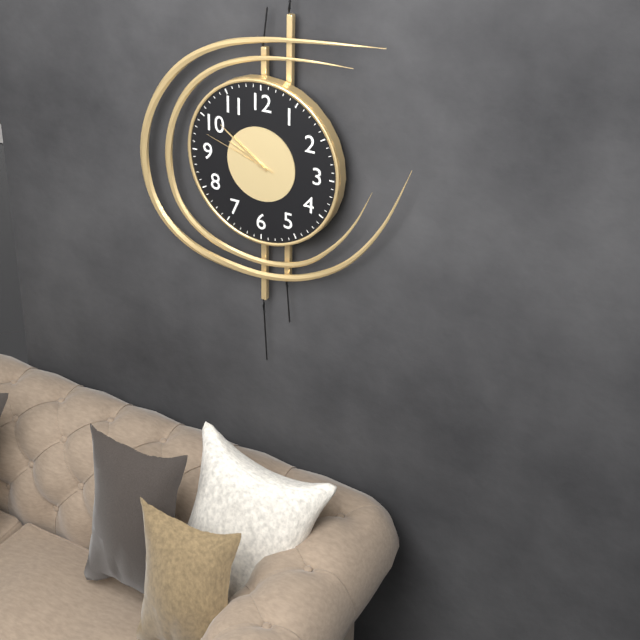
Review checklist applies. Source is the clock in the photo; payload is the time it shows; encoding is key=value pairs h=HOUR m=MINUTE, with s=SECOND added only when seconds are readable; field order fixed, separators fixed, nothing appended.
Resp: h=9 m=51 s=48
